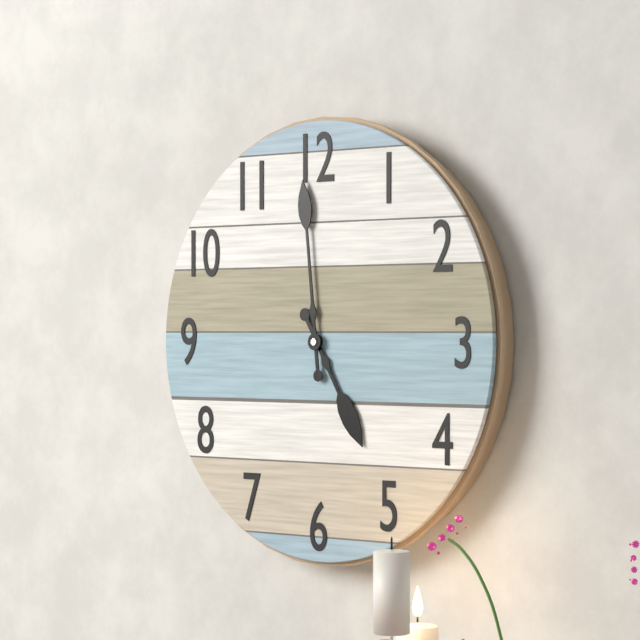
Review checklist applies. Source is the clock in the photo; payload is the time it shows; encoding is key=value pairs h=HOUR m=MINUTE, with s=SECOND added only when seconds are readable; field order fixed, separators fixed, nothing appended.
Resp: h=4 m=59
